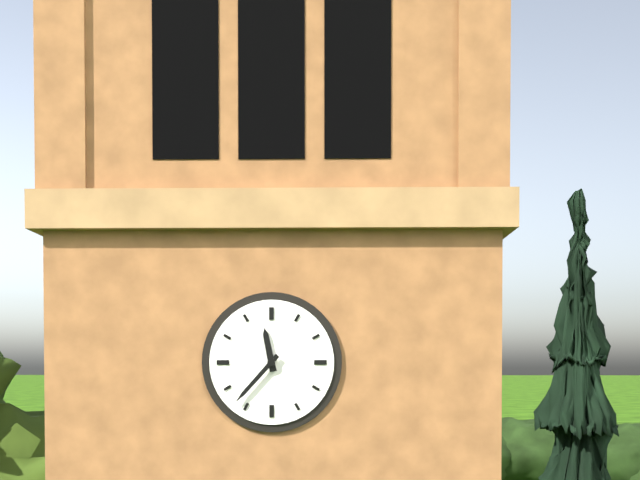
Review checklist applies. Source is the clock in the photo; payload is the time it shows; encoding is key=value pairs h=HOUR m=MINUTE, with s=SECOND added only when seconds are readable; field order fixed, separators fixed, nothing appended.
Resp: h=11 m=37
